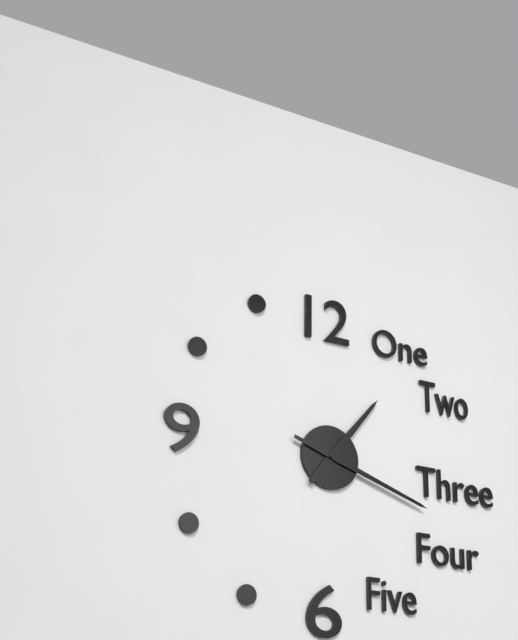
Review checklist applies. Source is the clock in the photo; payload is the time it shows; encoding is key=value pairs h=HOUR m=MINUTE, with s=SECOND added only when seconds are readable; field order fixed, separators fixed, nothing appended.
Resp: h=1 m=18
